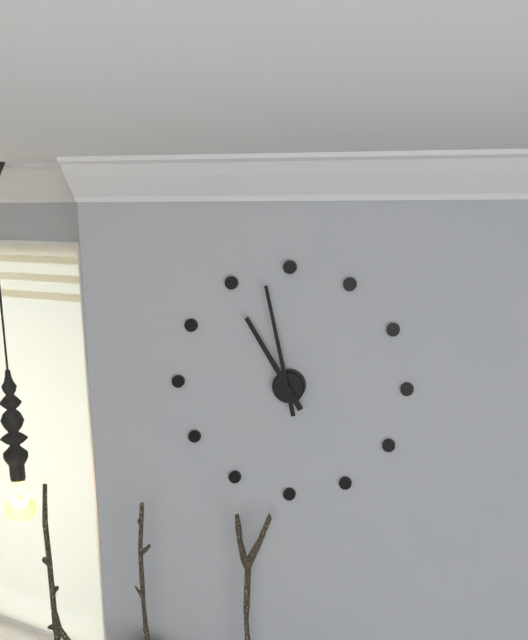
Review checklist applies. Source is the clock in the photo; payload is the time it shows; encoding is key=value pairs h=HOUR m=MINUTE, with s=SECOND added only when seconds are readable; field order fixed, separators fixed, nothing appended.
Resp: h=10 m=58
